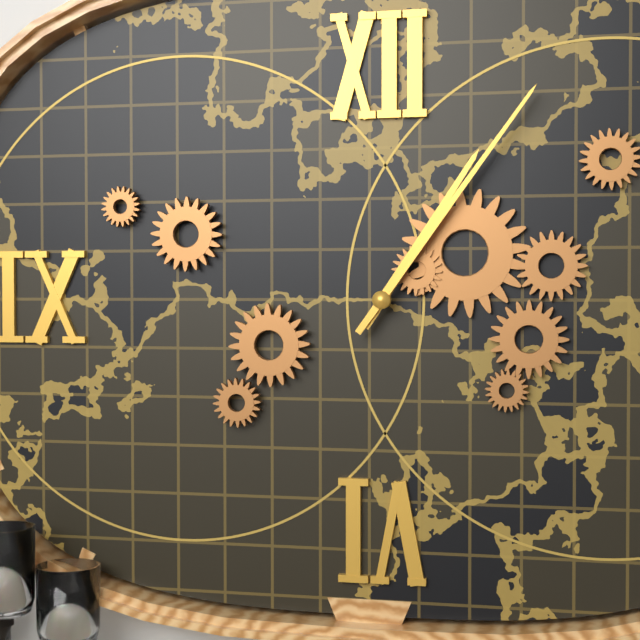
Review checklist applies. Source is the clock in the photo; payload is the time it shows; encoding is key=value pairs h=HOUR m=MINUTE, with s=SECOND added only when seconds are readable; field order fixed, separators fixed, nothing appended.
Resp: h=1 m=6
